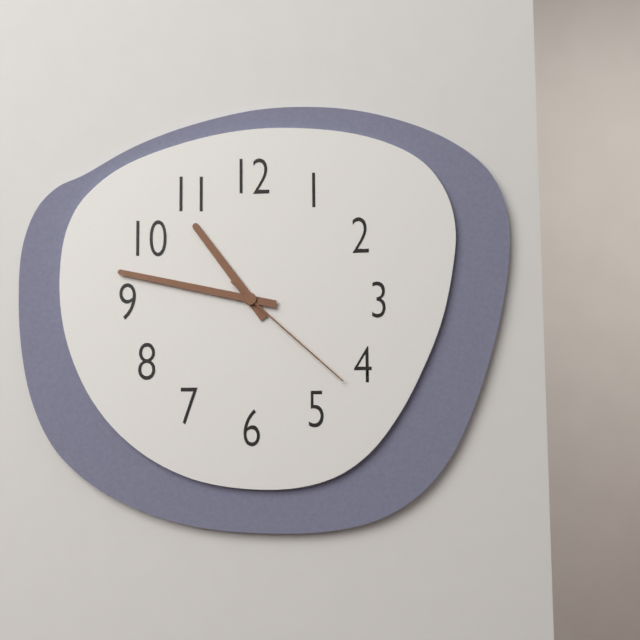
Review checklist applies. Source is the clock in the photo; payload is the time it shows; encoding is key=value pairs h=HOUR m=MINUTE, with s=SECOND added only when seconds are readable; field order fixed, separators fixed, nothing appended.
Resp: h=10 m=47 s=22
